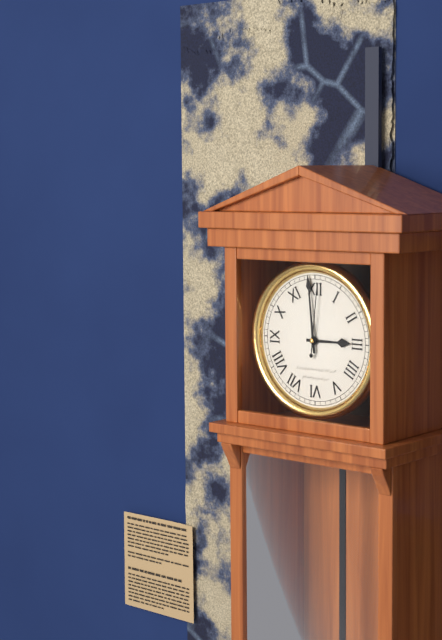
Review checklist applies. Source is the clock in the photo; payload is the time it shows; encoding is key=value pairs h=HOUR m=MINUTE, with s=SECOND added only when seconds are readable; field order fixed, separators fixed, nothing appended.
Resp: h=2 m=59 s=1
